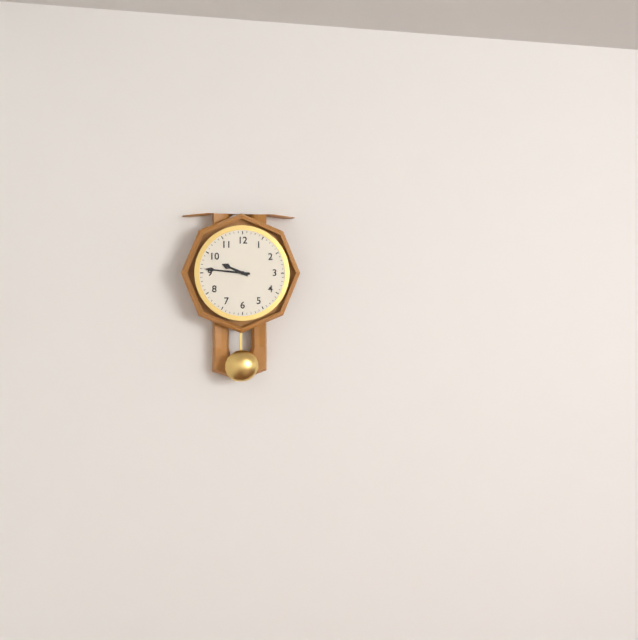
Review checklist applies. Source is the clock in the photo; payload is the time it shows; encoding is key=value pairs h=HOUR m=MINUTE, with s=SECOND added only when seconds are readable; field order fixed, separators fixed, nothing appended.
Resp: h=9 m=46
